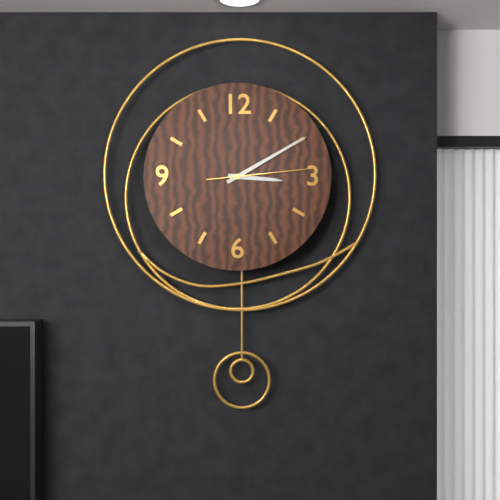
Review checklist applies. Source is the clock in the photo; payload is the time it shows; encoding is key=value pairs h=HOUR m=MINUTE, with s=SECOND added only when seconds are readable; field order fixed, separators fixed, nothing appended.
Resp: h=3 m=10 s=14
